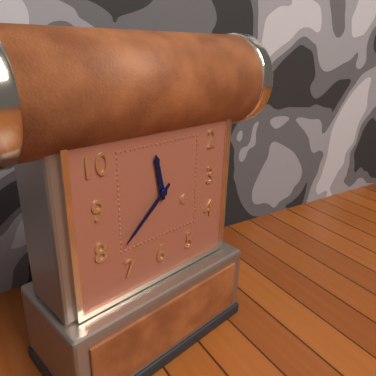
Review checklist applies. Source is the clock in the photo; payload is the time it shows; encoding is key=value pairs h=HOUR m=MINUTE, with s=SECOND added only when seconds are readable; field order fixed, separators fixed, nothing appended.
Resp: h=11 m=38
